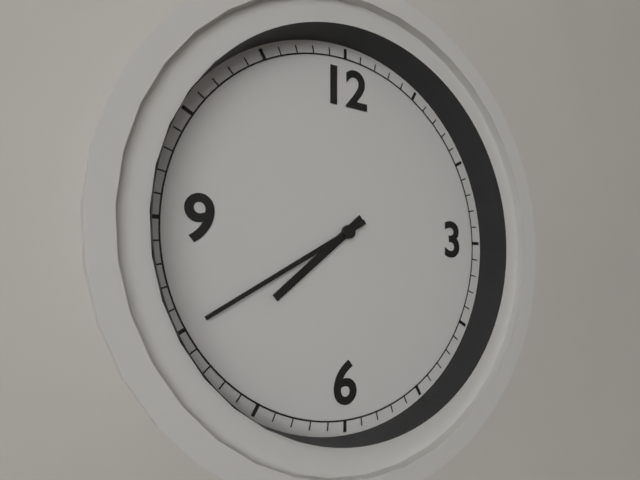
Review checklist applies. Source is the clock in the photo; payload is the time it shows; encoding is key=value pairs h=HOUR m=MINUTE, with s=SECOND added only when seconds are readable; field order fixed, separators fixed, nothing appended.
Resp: h=7 m=40
